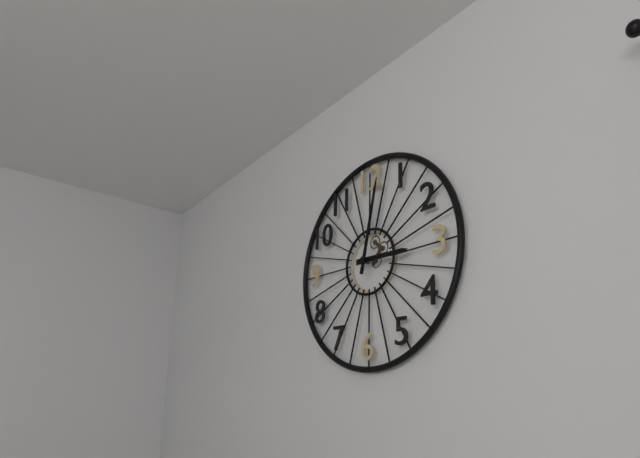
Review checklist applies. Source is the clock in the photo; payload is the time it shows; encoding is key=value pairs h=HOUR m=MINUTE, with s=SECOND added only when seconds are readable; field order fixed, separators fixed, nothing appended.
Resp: h=3 m=2
